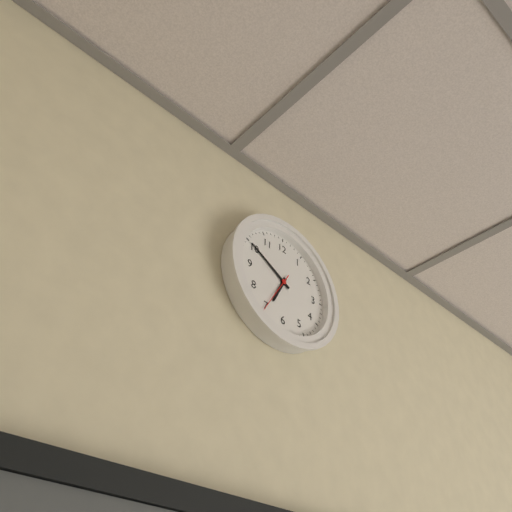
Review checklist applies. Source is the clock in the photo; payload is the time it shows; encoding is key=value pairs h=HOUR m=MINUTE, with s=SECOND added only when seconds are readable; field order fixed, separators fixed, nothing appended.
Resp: h=6 m=50
